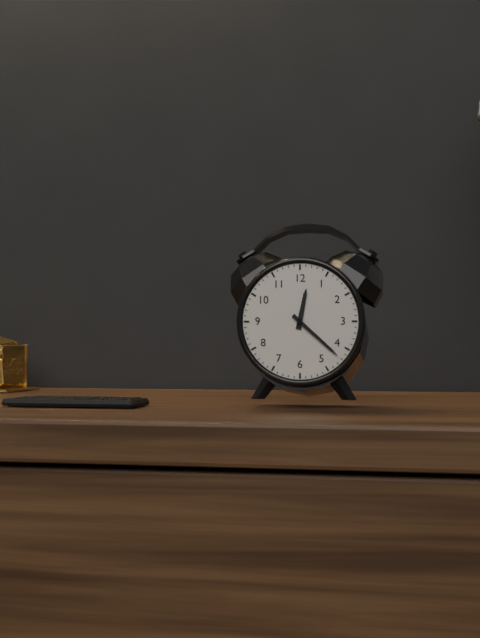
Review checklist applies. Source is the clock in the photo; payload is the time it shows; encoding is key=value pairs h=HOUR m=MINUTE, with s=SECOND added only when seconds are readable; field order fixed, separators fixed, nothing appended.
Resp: h=12 m=22
